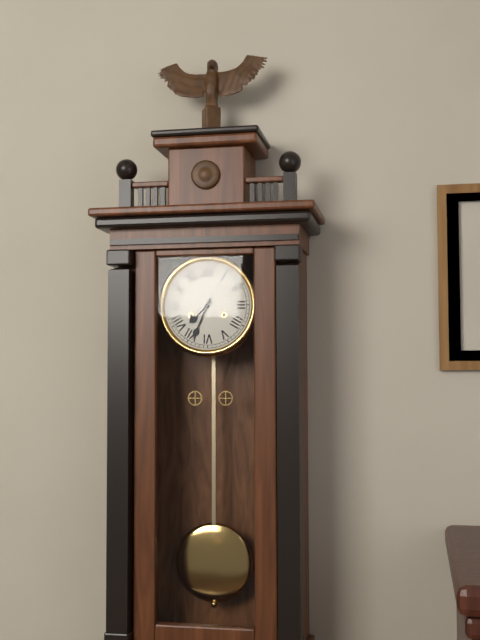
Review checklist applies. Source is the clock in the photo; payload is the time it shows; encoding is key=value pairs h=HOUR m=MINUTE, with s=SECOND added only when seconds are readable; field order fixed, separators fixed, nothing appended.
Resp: h=7 m=34
